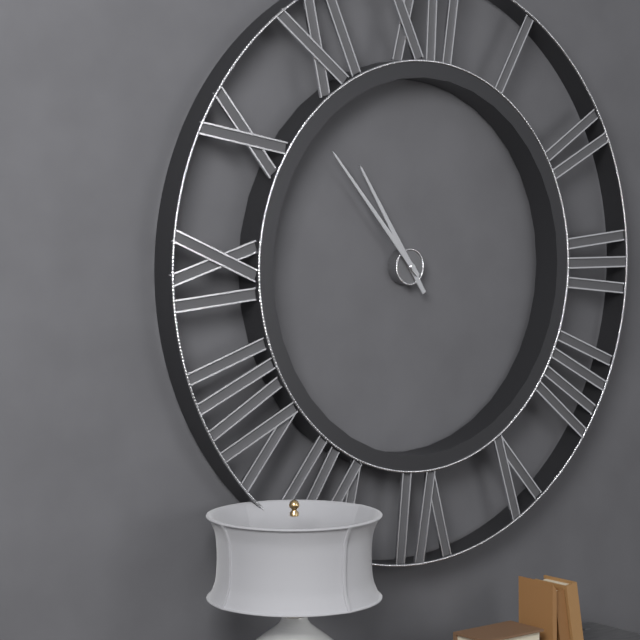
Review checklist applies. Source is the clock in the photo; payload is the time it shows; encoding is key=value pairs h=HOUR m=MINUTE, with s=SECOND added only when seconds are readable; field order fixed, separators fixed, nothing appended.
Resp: h=10 m=53
